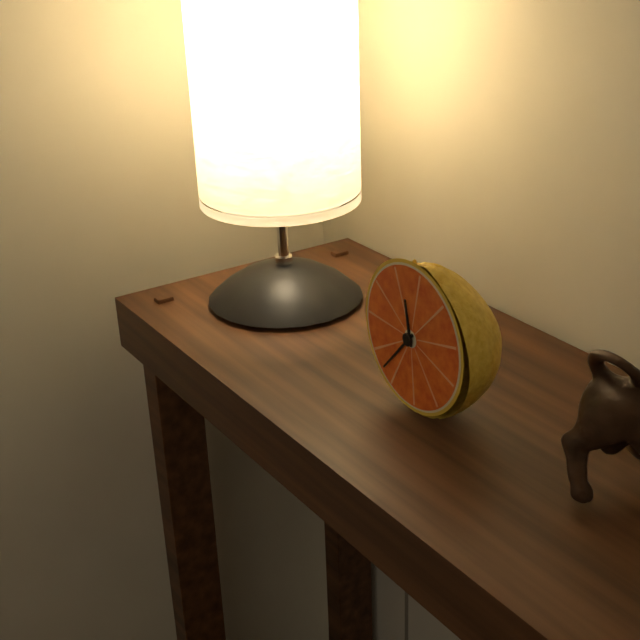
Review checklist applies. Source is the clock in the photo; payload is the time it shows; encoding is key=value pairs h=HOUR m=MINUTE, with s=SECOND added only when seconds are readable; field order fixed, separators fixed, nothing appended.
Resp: h=11 m=37
